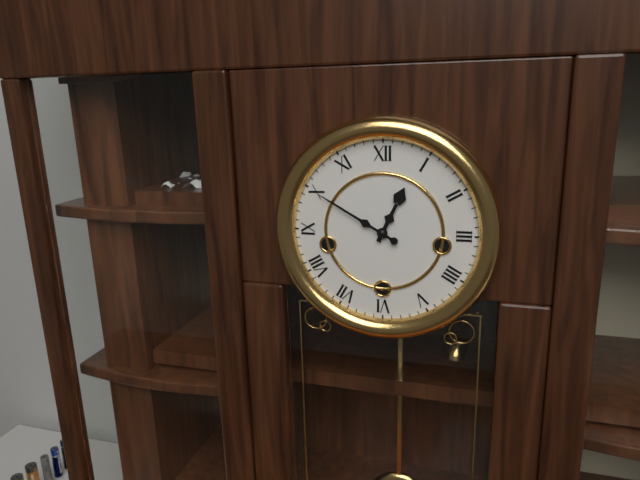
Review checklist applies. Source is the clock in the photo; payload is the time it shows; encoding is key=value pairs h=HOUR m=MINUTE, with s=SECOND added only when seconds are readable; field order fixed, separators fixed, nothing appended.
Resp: h=12 m=50
